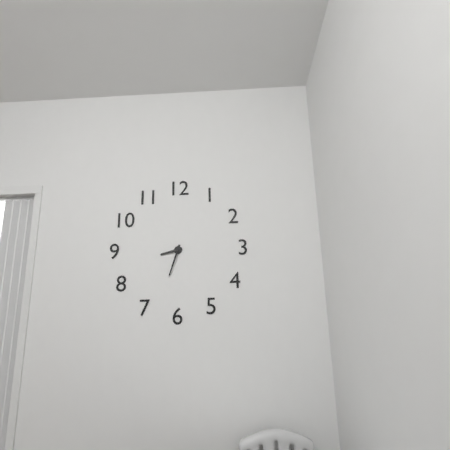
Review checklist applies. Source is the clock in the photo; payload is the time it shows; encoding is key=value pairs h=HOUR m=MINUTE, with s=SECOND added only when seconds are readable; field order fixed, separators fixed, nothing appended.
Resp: h=8 m=33
